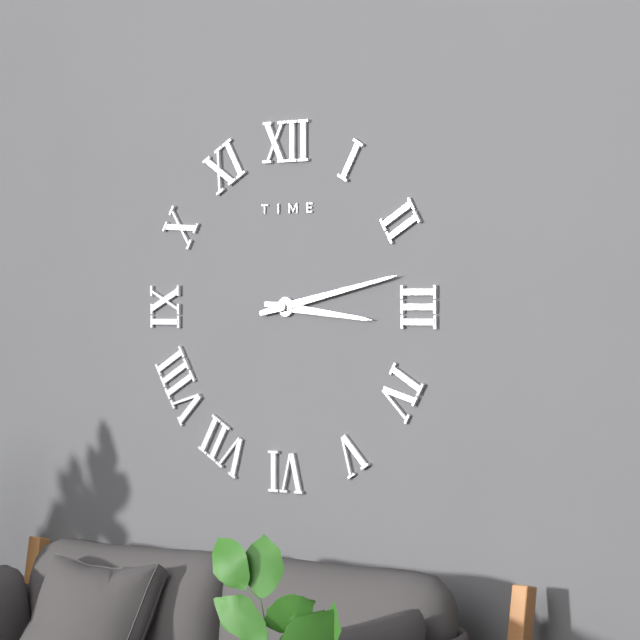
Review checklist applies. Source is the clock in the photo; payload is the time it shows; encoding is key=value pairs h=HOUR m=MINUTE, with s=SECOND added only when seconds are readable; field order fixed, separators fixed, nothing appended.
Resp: h=3 m=13
